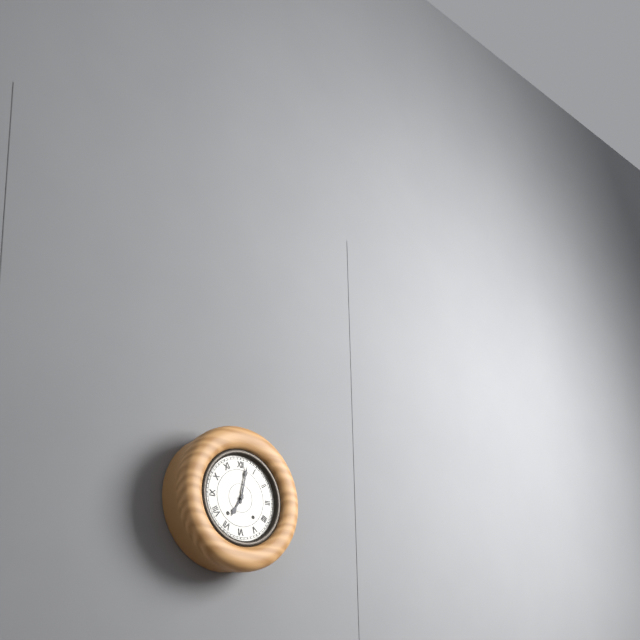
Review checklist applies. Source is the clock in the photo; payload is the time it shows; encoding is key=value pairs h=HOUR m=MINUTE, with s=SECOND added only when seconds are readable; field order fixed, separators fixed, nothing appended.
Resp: h=7 m=2
